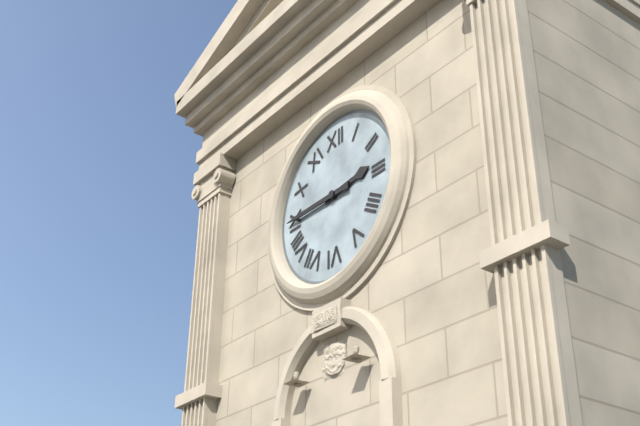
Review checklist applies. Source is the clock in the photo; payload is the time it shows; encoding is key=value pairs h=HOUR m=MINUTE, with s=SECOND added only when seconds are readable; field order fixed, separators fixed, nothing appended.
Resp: h=2 m=45
